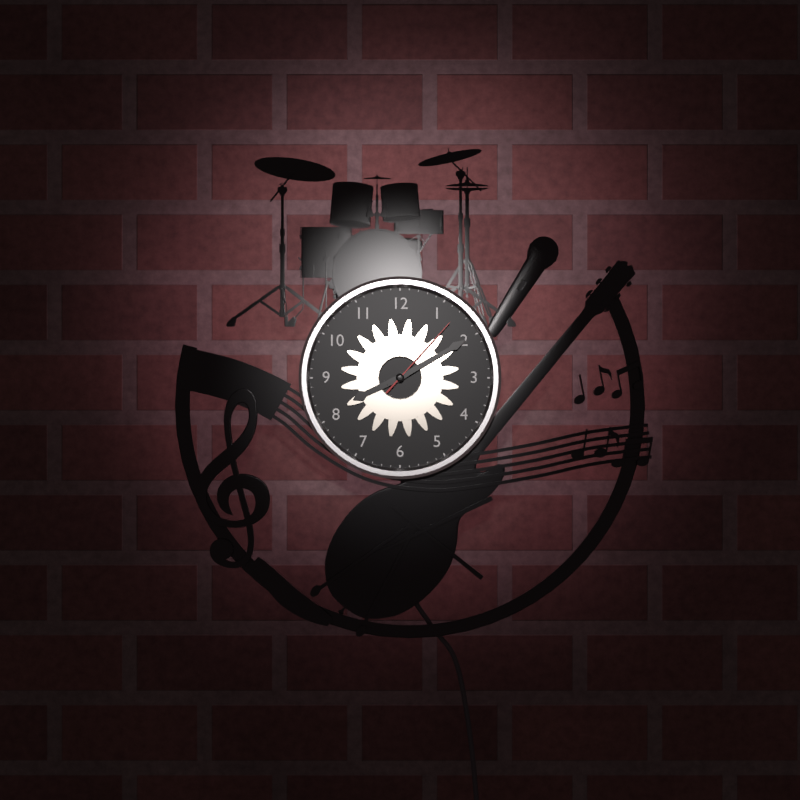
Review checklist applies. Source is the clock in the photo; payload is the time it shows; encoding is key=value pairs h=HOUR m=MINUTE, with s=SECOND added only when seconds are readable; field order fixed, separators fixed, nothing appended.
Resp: h=8 m=10 s=7
